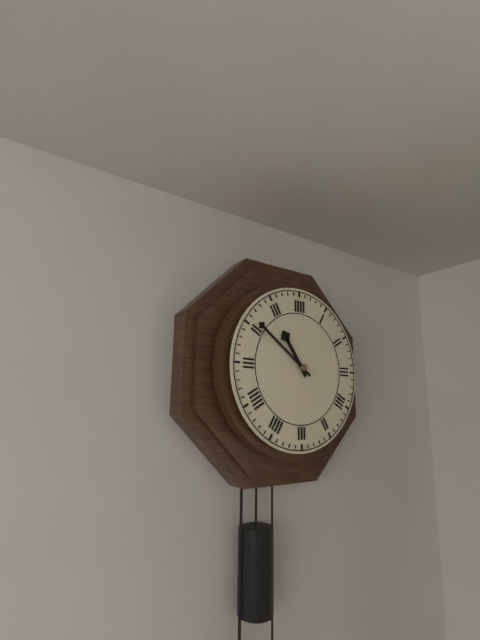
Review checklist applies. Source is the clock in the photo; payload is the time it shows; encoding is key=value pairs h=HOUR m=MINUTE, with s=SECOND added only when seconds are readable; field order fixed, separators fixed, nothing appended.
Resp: h=10 m=51
